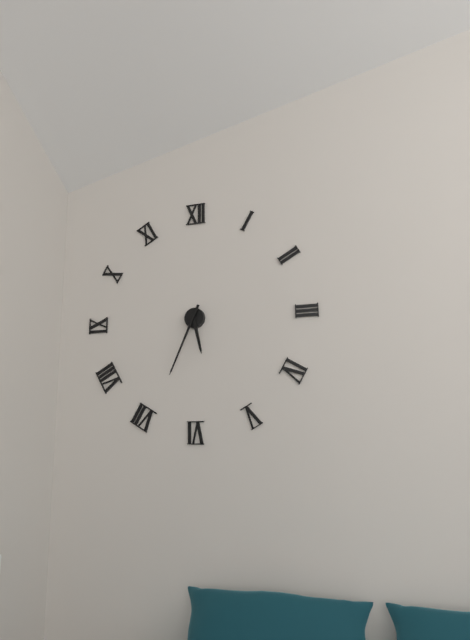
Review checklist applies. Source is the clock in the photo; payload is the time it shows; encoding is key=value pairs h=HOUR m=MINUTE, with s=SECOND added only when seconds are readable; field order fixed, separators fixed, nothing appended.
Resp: h=5 m=34
